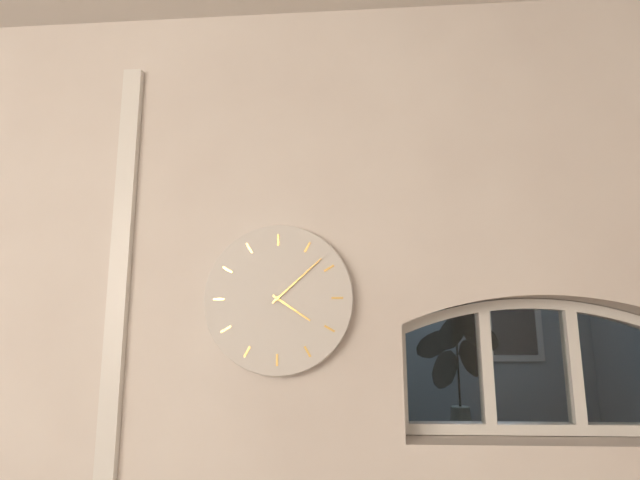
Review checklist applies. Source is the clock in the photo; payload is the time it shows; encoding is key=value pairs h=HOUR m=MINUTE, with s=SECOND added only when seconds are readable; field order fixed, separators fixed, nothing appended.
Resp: h=4 m=8
